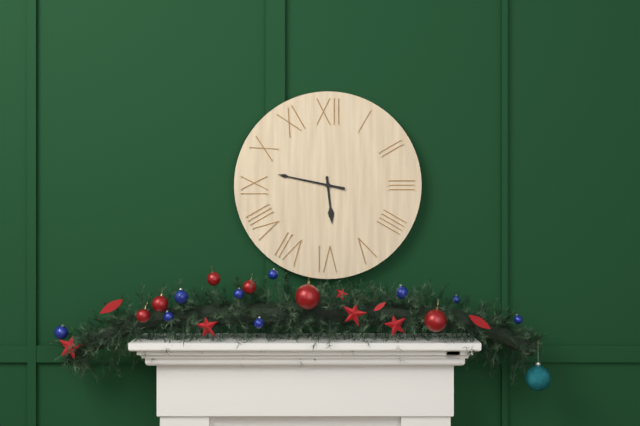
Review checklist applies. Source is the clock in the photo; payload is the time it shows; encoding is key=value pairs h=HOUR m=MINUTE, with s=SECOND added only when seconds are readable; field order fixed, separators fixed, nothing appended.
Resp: h=5 m=47
